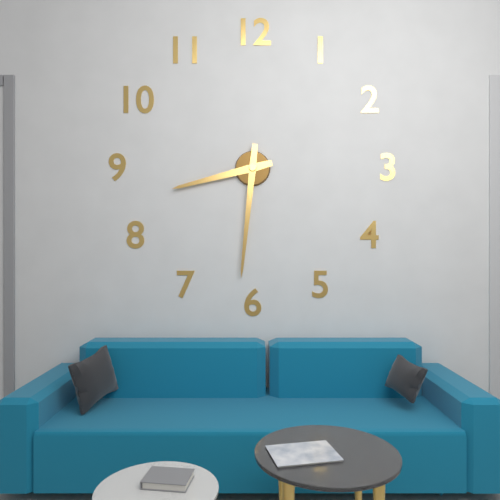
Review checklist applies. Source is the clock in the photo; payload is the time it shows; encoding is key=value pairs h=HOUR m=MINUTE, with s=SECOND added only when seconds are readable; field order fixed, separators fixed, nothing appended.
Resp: h=8 m=31
